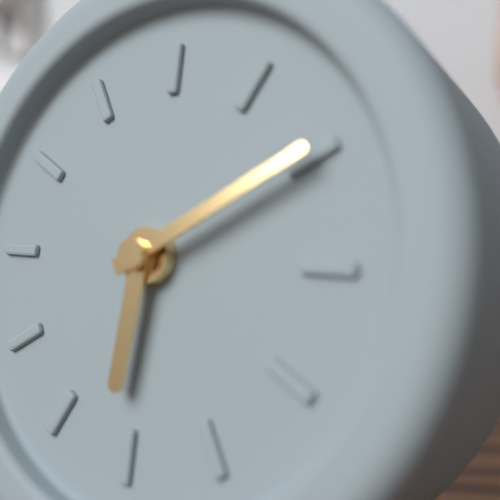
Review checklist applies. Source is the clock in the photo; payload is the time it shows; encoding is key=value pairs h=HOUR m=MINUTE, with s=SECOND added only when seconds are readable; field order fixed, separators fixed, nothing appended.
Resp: h=6 m=10
